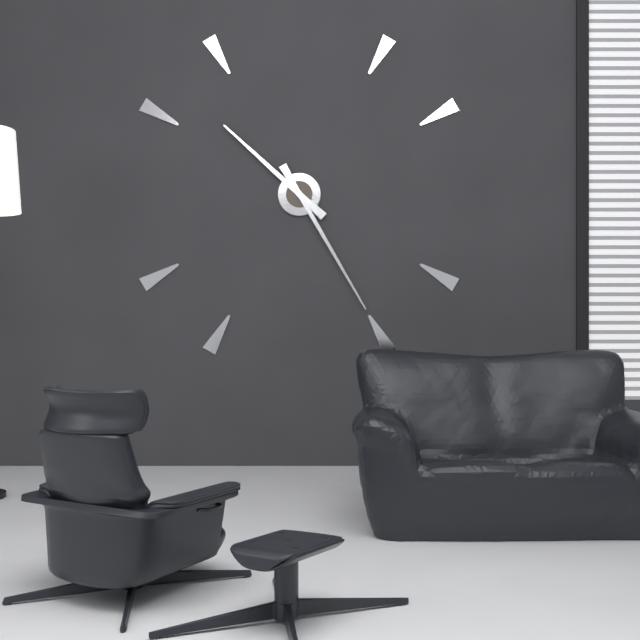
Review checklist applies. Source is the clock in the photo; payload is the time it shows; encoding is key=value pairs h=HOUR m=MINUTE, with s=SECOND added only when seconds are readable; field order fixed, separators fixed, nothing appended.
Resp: h=10 m=25
